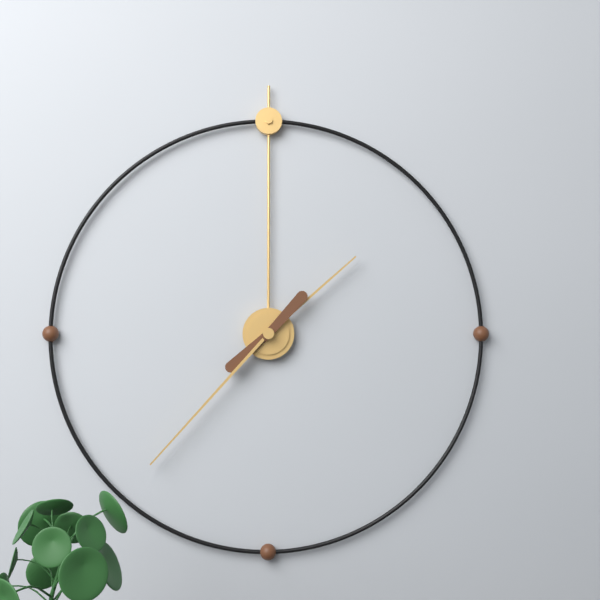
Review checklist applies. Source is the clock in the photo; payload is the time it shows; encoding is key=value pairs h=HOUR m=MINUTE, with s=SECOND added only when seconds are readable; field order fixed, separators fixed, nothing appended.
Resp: h=1 m=37
